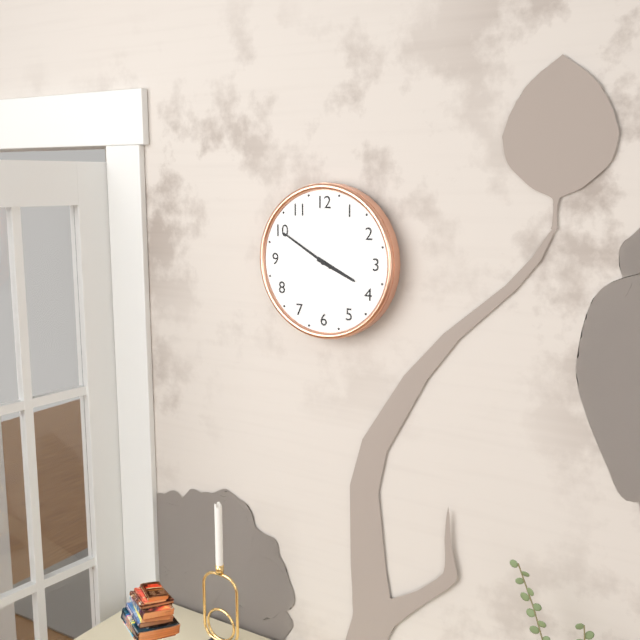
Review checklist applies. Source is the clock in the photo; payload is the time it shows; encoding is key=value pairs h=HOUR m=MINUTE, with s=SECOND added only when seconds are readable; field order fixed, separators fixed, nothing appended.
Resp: h=3 m=50
